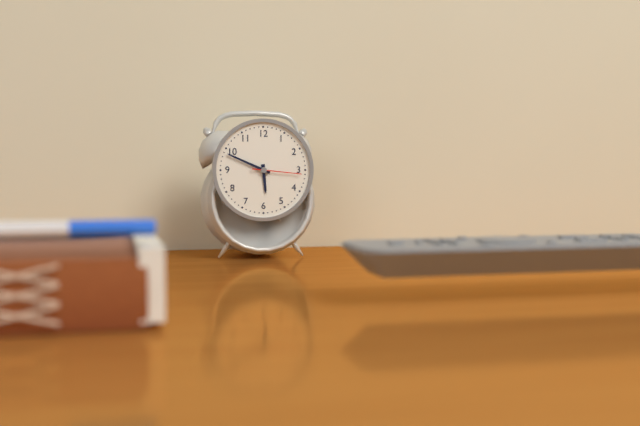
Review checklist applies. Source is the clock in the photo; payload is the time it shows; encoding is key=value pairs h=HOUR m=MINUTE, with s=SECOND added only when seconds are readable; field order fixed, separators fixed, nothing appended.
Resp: h=5 m=49
